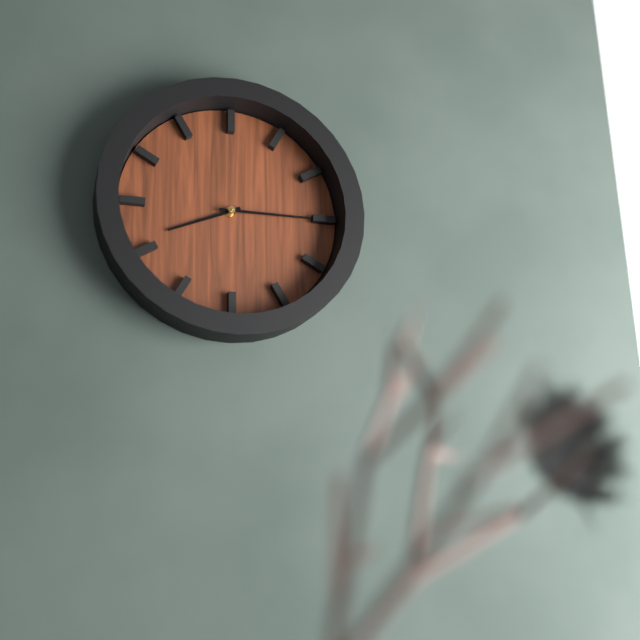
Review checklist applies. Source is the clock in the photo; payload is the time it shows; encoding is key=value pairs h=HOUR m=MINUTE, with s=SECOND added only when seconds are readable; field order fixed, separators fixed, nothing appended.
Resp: h=8 m=15
